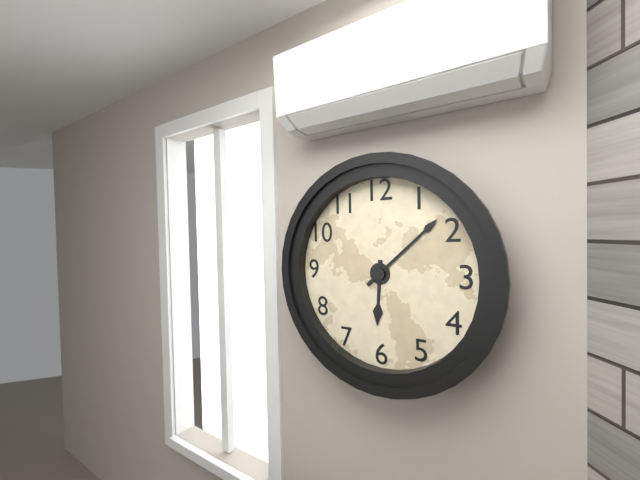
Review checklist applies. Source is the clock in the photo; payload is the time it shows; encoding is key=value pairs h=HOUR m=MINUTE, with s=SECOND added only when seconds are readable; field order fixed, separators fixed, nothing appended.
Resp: h=6 m=8
